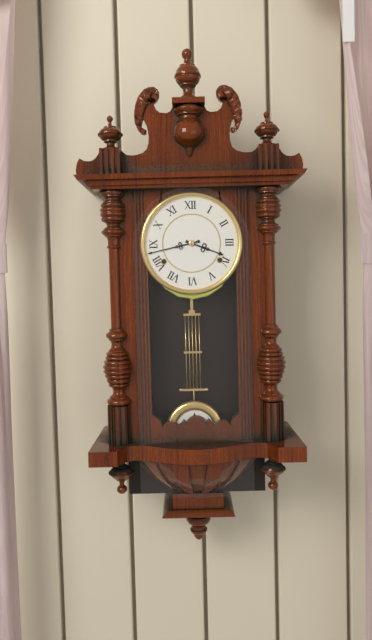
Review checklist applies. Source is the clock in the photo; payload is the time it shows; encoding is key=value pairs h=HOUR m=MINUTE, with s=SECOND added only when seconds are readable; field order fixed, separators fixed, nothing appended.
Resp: h=3 m=43
